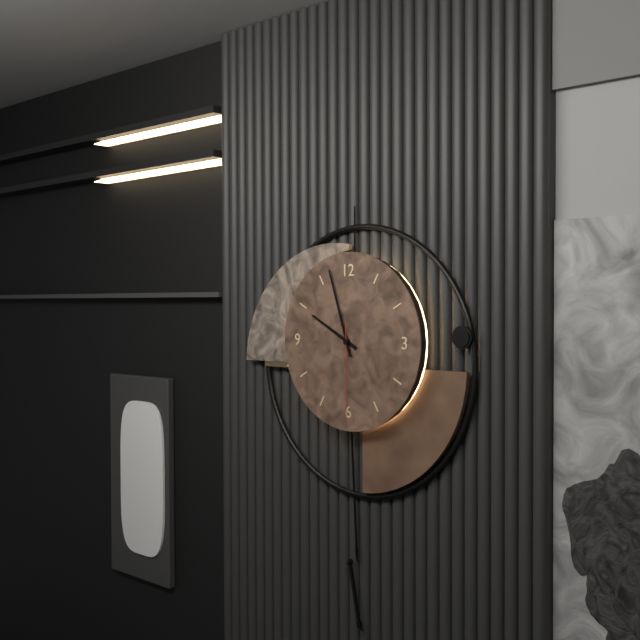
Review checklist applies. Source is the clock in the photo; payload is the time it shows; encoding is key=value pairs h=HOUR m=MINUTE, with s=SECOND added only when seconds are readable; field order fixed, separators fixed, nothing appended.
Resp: h=9 m=57 s=30
